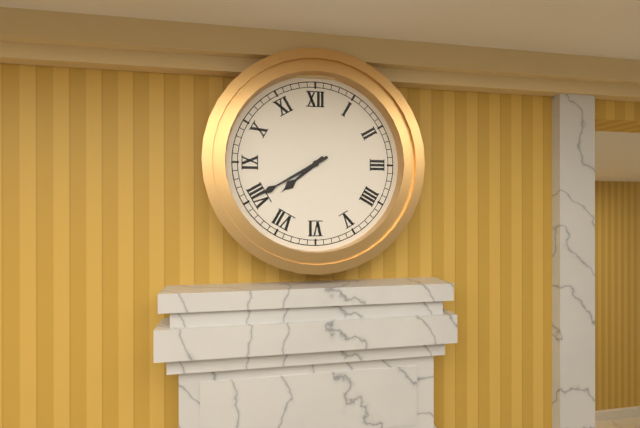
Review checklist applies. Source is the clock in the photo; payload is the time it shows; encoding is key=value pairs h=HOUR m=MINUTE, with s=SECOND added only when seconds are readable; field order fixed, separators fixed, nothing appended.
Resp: h=7 m=40
